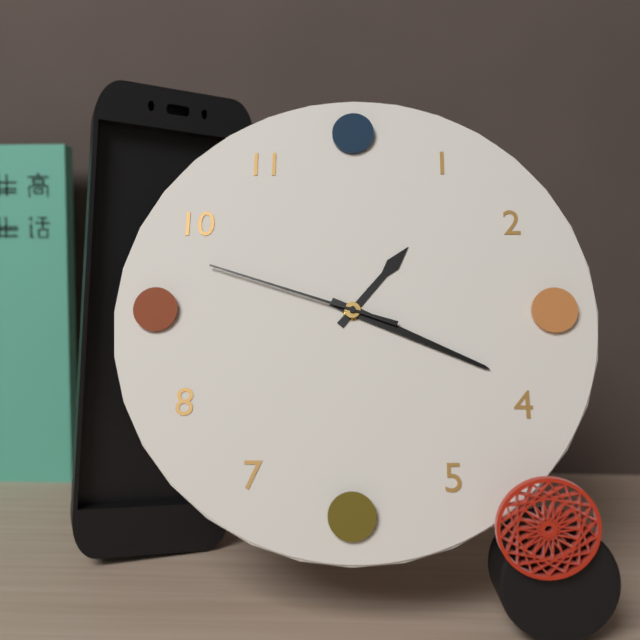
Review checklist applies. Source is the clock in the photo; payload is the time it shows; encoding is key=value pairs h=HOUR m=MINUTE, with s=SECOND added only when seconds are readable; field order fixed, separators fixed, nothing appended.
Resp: h=1 m=19 s=48
